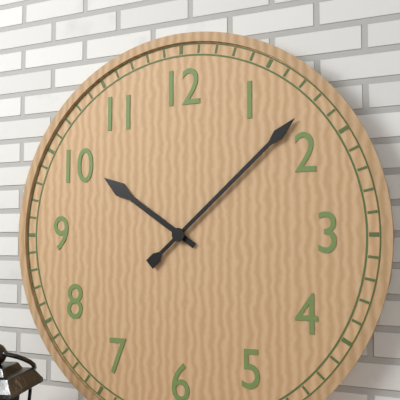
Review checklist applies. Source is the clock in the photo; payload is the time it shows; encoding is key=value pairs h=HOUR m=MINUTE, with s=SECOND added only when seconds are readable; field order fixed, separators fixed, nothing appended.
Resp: h=10 m=8
